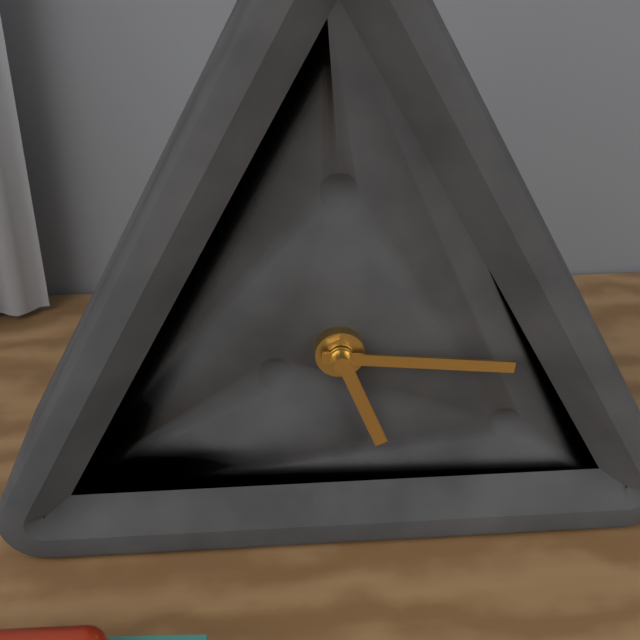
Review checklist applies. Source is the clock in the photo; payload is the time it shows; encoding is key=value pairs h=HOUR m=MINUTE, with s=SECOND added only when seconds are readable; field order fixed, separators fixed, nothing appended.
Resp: h=5 m=16
